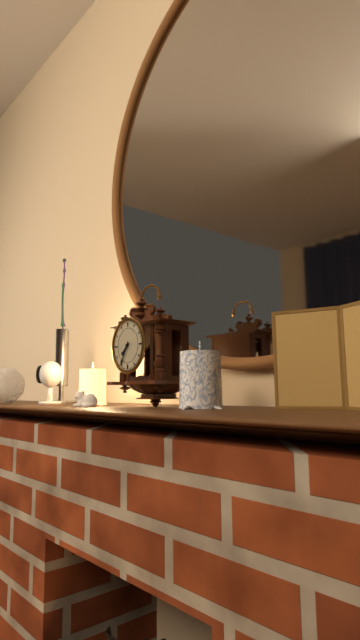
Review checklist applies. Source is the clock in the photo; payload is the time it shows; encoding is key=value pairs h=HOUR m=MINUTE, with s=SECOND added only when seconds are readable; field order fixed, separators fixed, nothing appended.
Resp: h=7 m=35
